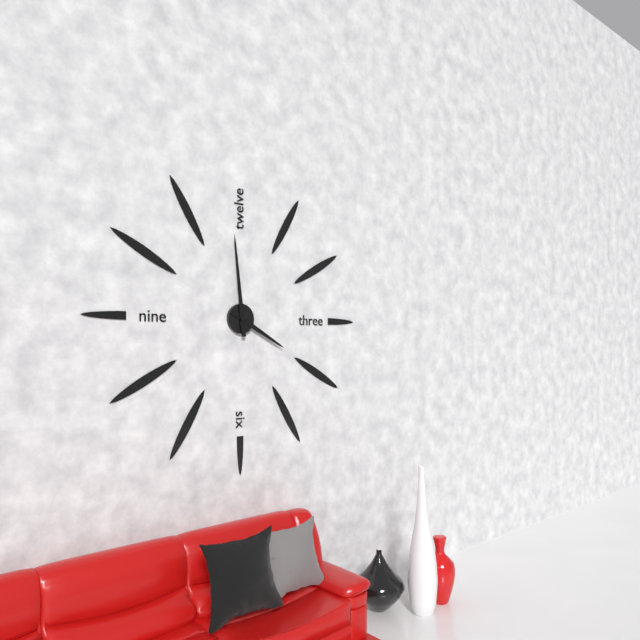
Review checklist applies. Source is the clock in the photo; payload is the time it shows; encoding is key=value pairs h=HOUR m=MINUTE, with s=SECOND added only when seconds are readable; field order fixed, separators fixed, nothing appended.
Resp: h=3 m=59
